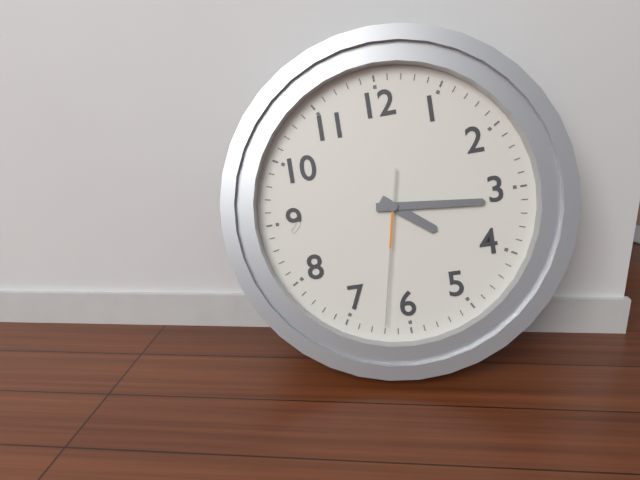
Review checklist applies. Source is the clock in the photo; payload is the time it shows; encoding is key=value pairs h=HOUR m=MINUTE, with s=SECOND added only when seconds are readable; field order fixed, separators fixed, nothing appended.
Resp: h=4 m=16 s=32
